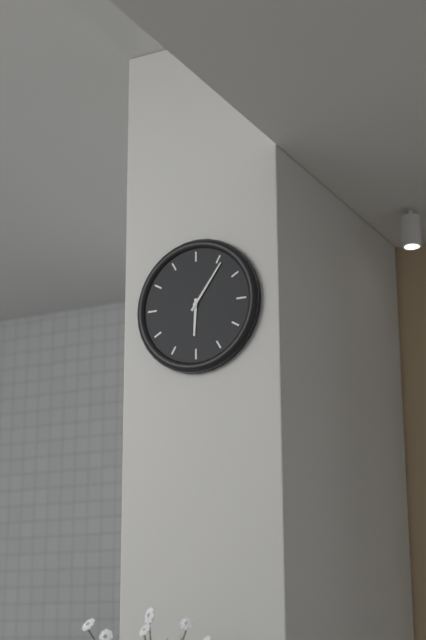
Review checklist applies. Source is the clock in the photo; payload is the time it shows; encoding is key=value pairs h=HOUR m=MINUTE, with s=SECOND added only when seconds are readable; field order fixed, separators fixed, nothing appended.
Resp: h=6 m=6
